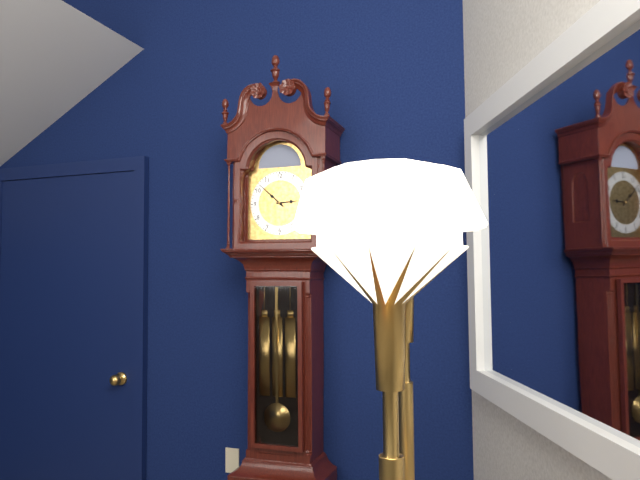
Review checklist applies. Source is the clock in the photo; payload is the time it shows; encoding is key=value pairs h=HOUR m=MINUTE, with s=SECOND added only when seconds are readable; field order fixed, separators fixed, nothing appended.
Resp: h=2 m=52
